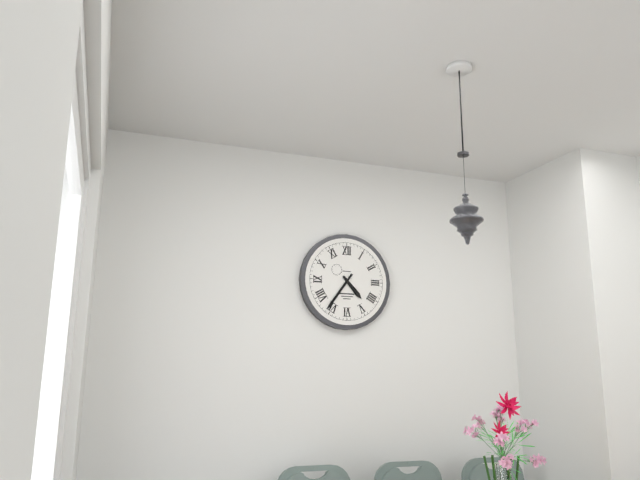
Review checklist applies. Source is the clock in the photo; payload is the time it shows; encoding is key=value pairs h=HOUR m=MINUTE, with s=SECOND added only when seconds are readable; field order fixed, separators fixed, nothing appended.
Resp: h=4 m=36
